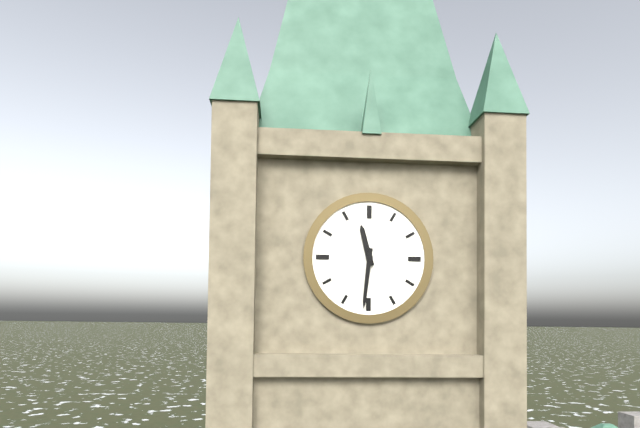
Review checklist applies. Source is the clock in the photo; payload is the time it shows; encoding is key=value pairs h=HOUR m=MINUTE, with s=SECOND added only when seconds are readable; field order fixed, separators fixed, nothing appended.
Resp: h=11 m=31
